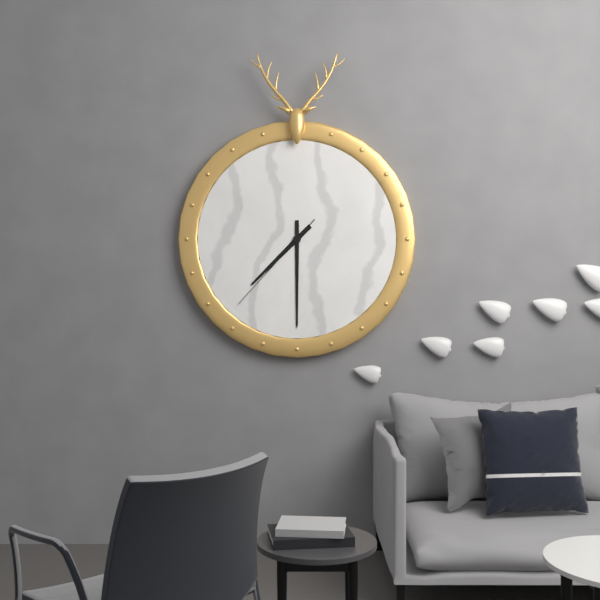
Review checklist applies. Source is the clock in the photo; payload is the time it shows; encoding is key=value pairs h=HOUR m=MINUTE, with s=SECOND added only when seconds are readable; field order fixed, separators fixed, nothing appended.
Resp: h=7 m=30 s=37
